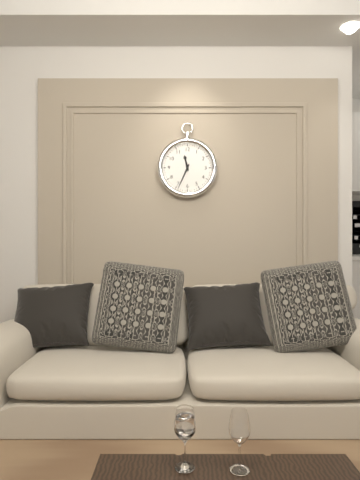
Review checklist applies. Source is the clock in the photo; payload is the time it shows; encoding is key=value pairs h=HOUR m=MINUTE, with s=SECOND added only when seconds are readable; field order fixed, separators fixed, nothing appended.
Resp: h=11 m=34
